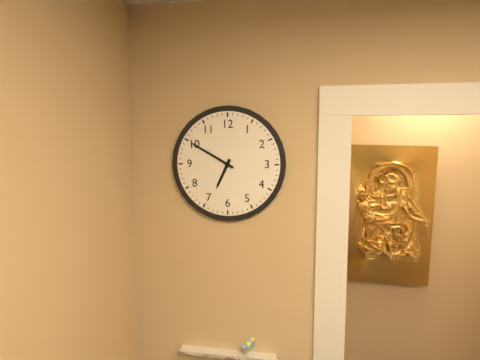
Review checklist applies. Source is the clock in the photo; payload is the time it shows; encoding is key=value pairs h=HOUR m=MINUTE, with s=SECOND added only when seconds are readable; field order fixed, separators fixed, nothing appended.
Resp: h=6 m=50
